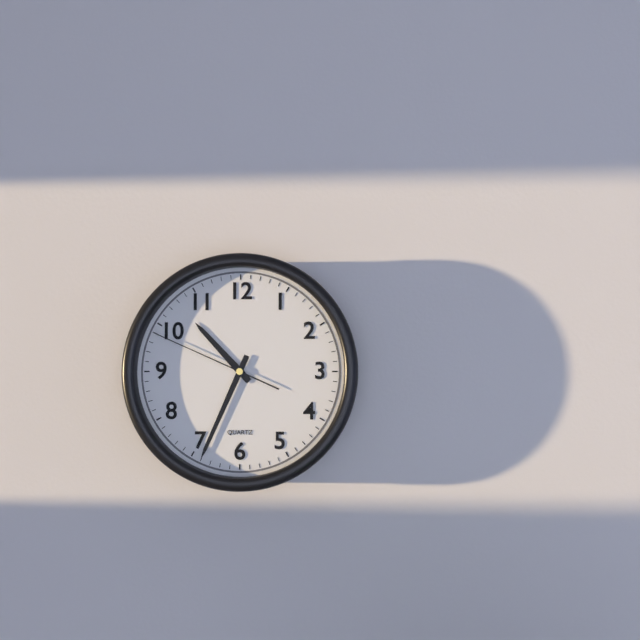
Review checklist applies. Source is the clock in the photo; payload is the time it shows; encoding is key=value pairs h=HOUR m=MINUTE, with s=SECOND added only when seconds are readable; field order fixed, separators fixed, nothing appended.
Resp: h=10 m=34 s=49
